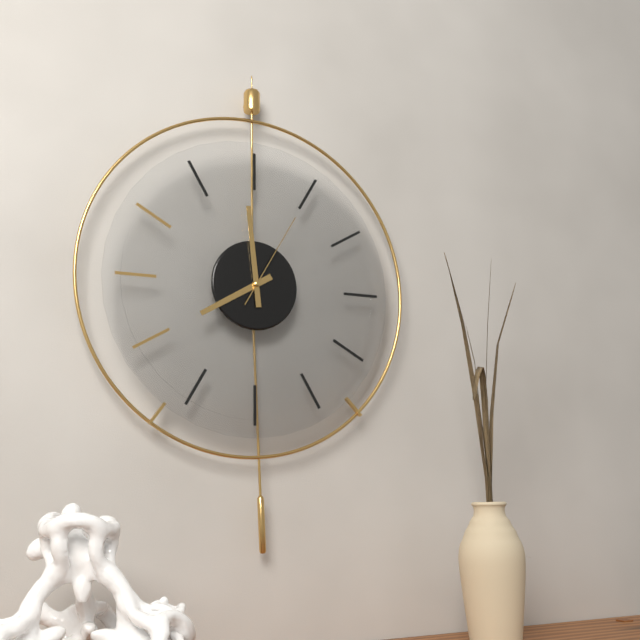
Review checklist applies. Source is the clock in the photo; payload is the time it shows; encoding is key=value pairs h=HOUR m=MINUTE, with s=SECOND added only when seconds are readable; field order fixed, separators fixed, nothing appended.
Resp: h=7 m=59 s=5
